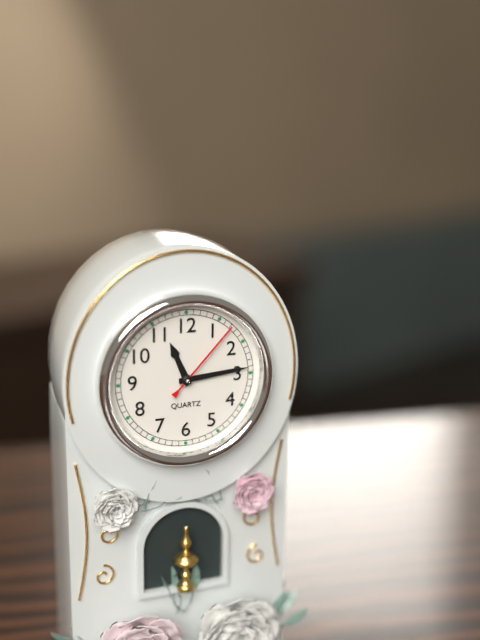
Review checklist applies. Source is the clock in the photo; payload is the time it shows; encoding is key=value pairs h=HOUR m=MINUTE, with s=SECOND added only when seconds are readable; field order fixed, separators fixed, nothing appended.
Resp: h=11 m=14 s=7
